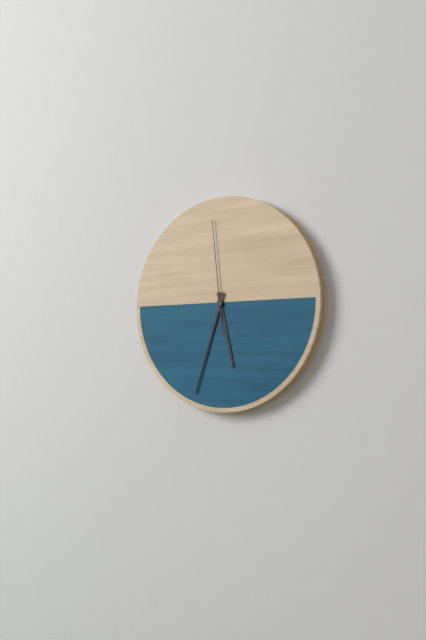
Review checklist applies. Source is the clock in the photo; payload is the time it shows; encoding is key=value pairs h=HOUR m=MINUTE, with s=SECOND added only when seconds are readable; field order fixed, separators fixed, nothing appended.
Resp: h=5 m=33 s=59
